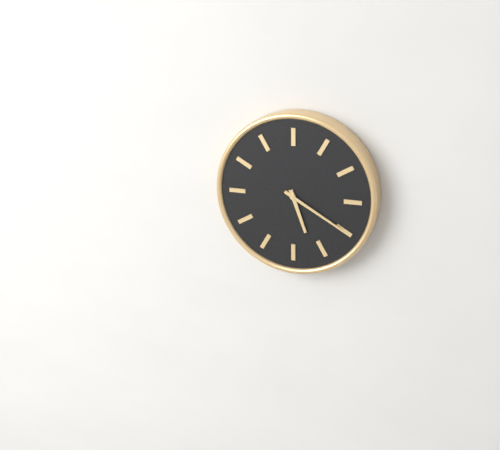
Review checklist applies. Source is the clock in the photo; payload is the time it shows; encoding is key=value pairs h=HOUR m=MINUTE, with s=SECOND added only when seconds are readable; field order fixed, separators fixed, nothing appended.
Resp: h=5 m=20
